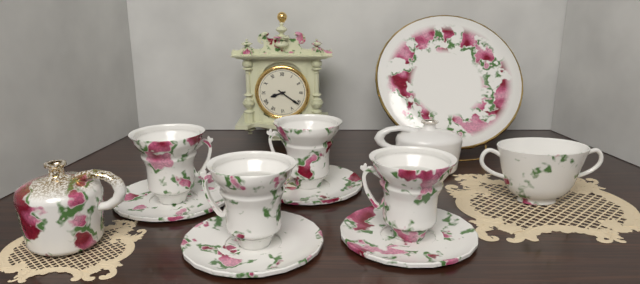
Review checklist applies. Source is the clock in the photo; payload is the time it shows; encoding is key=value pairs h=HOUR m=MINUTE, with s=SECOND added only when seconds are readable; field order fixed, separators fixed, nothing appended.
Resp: h=8 m=21
